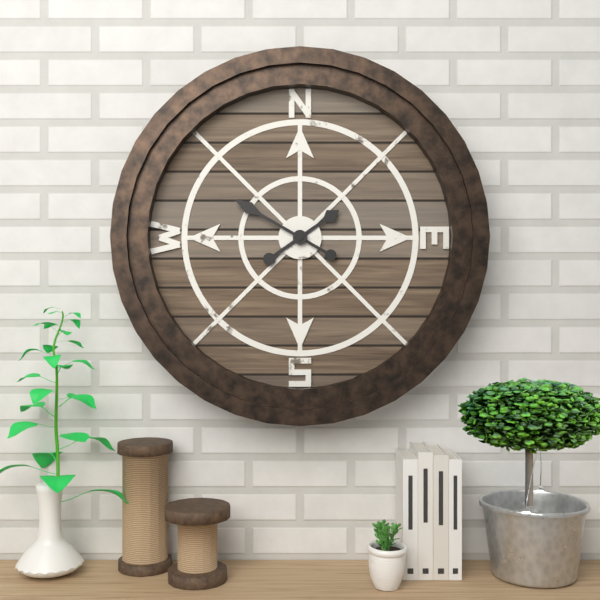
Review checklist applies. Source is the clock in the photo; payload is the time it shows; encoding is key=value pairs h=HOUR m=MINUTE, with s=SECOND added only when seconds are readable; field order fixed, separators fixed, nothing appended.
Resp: h=1 m=50
